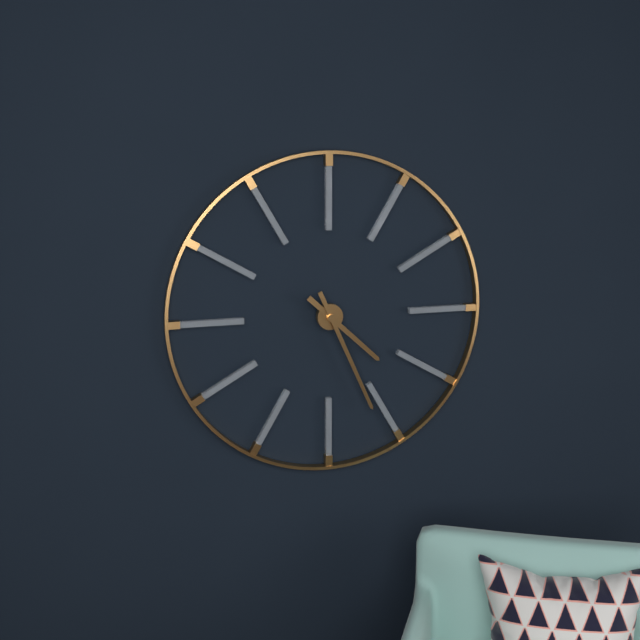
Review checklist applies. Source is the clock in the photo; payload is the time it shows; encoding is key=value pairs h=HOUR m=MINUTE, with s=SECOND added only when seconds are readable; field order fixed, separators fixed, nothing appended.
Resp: h=4 m=26
